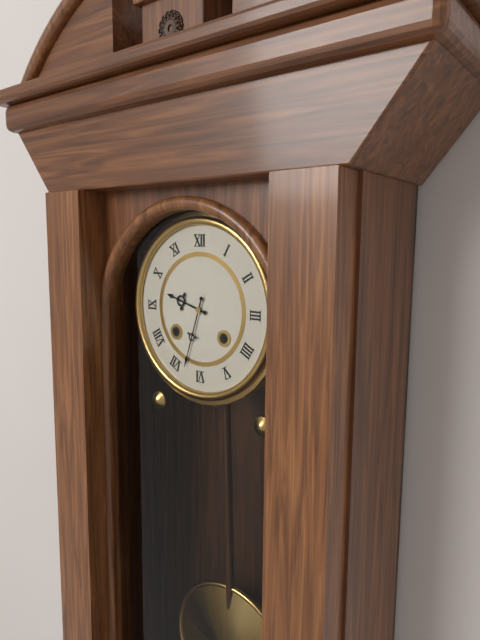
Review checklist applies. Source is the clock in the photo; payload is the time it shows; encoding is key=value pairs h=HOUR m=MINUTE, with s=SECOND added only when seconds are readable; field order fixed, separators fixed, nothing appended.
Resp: h=9 m=33
